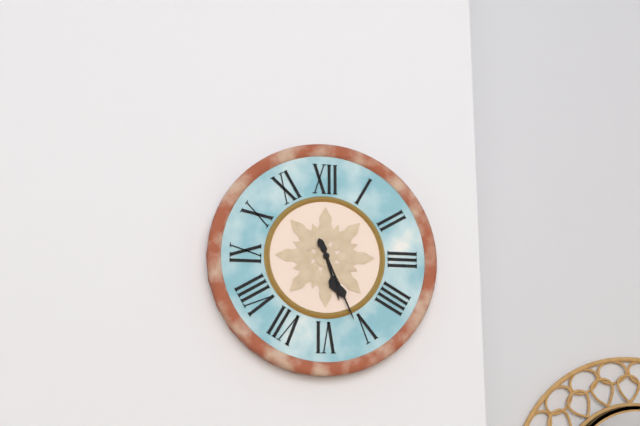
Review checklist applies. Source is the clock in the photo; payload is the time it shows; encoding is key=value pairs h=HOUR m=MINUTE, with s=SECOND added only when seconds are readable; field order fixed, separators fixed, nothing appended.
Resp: h=5 m=26
